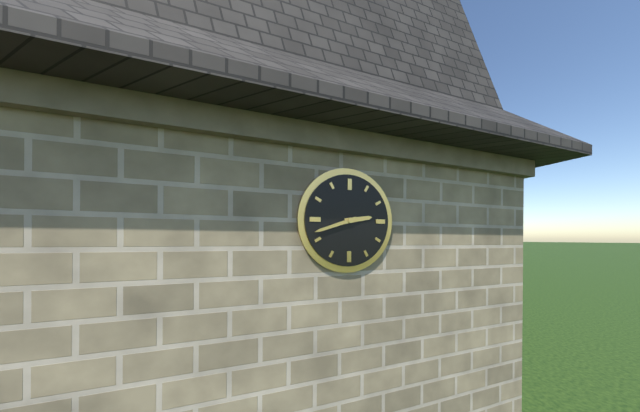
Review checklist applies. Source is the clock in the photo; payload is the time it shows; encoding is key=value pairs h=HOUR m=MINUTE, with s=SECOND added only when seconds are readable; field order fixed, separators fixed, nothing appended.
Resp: h=2 m=42
